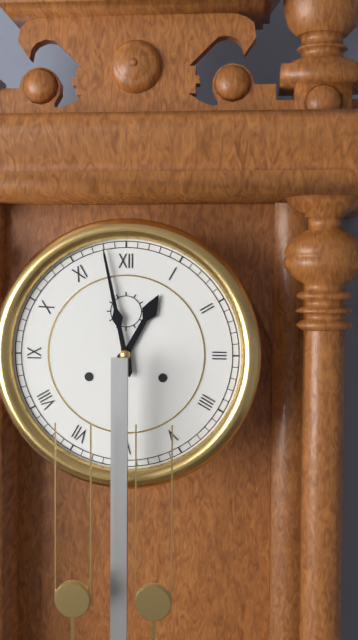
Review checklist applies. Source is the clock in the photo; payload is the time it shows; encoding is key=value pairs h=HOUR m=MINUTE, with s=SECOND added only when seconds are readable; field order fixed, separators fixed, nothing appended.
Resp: h=12 m=58
